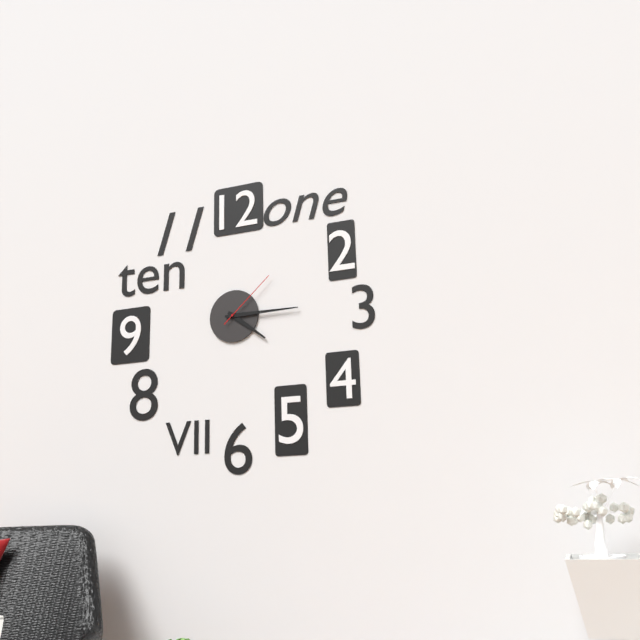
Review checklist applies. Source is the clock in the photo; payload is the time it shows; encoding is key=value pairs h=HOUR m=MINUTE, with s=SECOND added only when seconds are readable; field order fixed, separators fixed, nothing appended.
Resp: h=4 m=15 s=8
